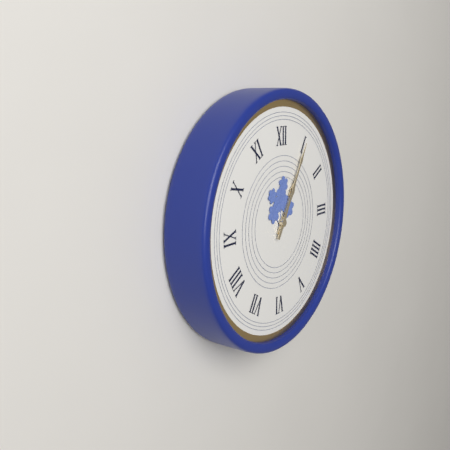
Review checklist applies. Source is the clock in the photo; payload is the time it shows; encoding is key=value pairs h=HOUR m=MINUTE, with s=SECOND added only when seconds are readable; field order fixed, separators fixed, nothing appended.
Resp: h=1 m=5
